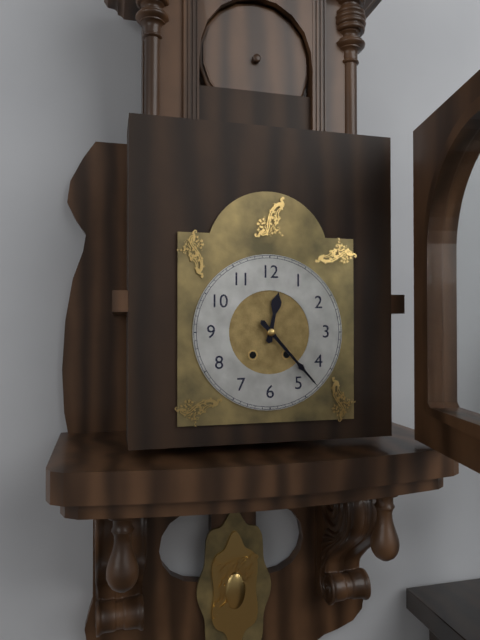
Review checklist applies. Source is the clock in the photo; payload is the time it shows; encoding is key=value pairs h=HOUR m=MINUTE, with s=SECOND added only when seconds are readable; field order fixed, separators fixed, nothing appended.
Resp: h=12 m=23
